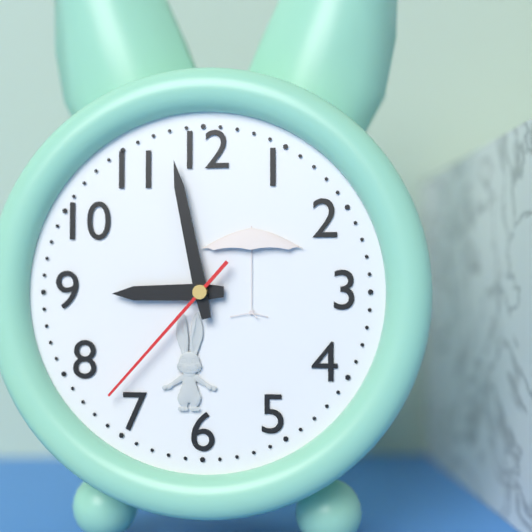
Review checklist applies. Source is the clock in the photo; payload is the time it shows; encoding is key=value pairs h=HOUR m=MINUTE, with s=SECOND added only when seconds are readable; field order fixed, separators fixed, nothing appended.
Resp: h=8 m=58 s=37
